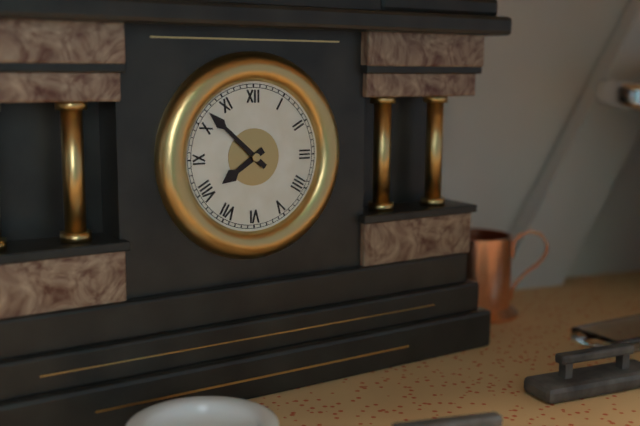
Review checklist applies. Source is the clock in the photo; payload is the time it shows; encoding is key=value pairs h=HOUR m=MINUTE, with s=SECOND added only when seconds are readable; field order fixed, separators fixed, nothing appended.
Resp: h=7 m=52
